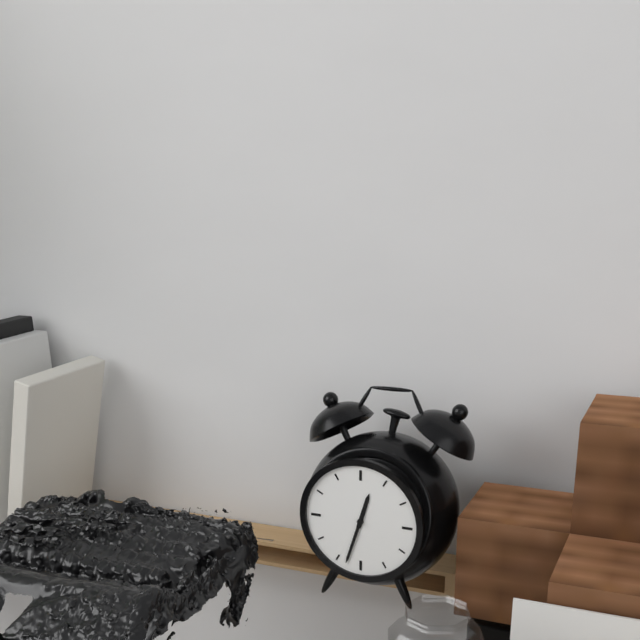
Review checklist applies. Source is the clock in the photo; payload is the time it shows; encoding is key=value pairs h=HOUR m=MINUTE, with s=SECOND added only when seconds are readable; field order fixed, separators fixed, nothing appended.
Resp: h=12 m=33
